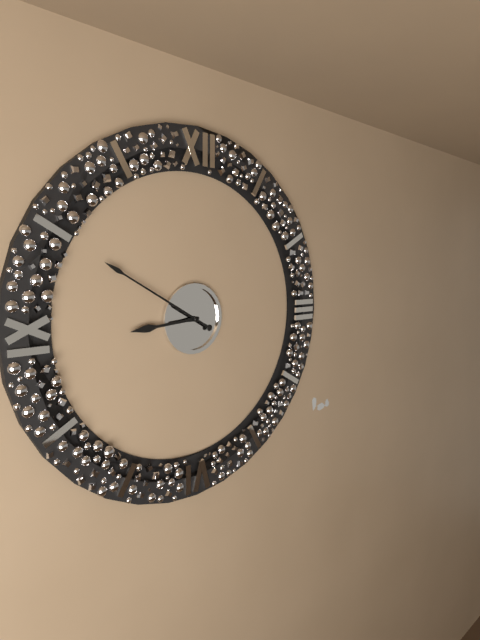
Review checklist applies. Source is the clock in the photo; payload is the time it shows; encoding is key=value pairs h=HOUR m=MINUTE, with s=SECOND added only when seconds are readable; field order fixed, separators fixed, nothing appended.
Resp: h=8 m=50
